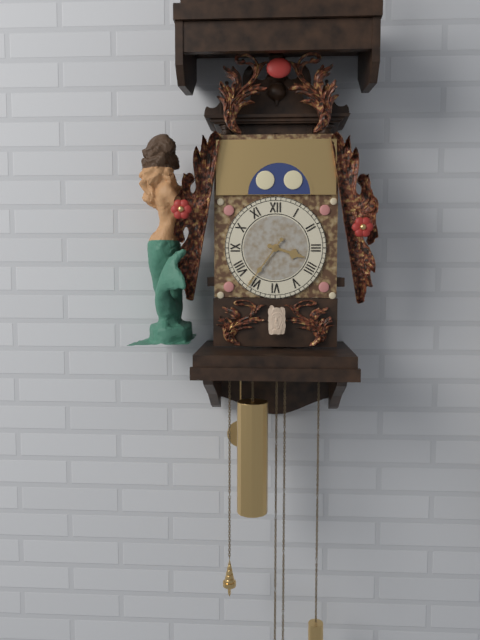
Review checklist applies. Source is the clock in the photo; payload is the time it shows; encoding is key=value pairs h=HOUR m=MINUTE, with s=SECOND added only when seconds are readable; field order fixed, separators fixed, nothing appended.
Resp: h=3 m=36
